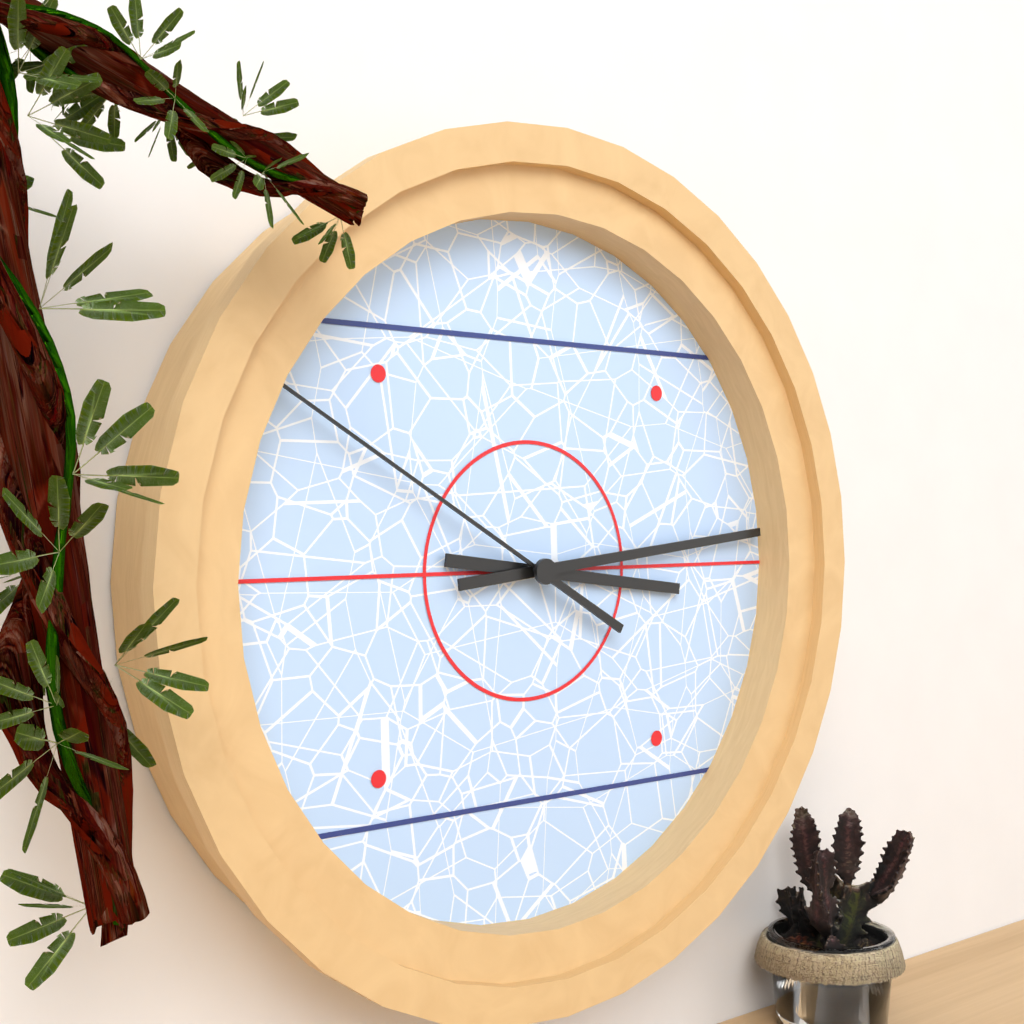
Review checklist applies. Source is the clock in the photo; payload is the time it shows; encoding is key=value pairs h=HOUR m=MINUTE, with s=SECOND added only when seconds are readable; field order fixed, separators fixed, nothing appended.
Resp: h=3 m=14 s=50
